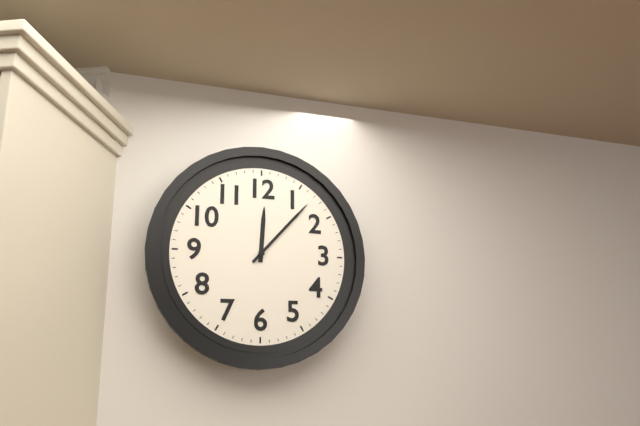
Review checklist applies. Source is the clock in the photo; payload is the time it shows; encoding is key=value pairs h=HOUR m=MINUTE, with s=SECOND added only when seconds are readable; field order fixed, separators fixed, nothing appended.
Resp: h=12 m=7
